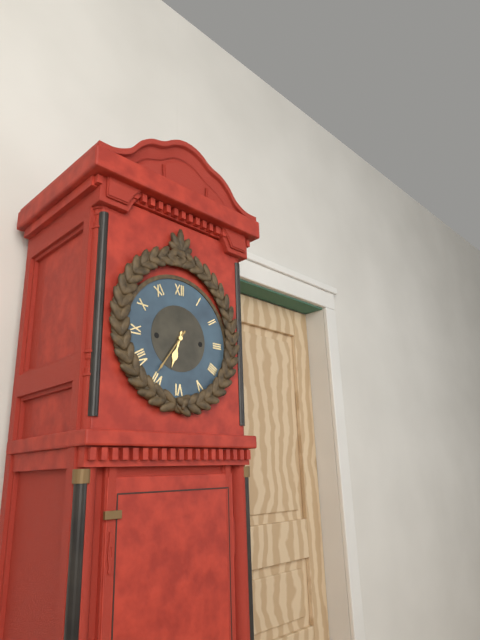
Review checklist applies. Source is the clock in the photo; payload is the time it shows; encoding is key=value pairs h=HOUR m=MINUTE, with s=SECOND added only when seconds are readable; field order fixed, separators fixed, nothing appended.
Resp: h=6 m=36
